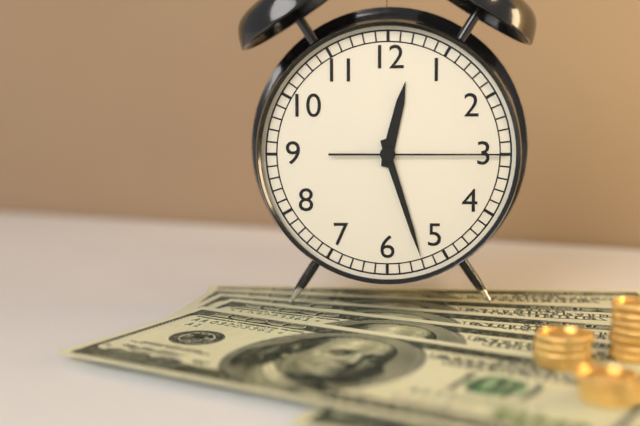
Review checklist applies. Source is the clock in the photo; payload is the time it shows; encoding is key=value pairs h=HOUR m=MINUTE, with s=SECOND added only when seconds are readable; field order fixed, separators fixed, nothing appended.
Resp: h=12 m=27 s=15
